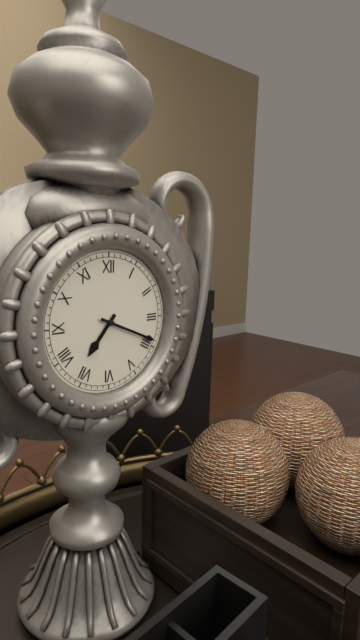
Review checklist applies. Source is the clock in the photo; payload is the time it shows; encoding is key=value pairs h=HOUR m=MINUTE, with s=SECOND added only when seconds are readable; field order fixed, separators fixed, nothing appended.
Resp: h=7 m=19
